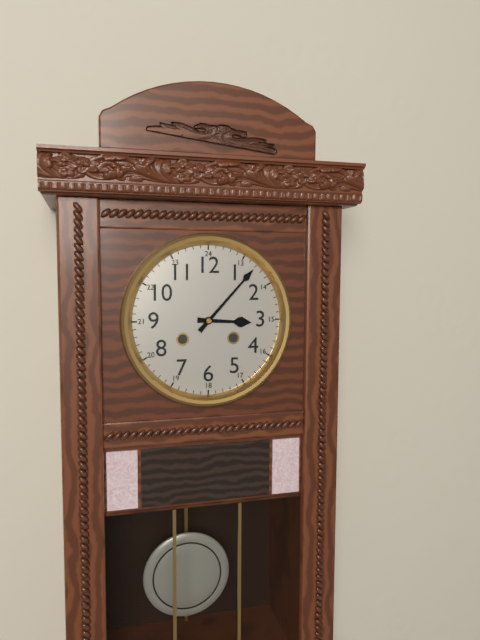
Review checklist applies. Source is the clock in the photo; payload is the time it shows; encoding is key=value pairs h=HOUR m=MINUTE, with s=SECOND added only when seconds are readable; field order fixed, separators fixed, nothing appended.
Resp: h=3 m=7
